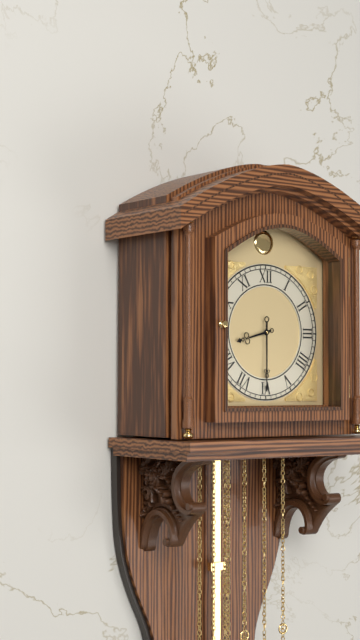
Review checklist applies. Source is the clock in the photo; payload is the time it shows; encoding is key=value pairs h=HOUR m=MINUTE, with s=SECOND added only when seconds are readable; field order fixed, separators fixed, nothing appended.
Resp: h=8 m=30
